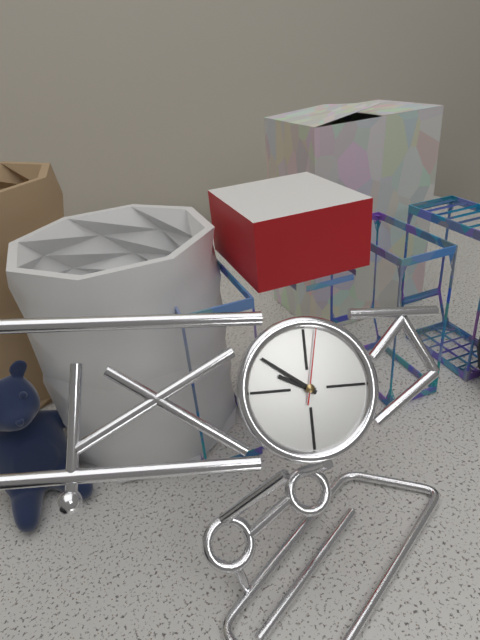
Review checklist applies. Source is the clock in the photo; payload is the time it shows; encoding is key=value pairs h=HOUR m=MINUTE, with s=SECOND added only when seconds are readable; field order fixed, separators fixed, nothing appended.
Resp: h=9 m=51 s=2
